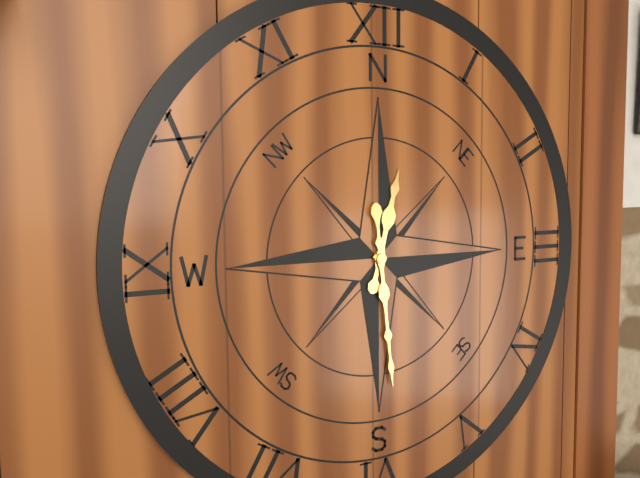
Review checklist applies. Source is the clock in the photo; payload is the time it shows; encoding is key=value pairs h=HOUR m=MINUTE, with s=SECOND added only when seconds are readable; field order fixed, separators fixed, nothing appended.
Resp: h=12 m=29
